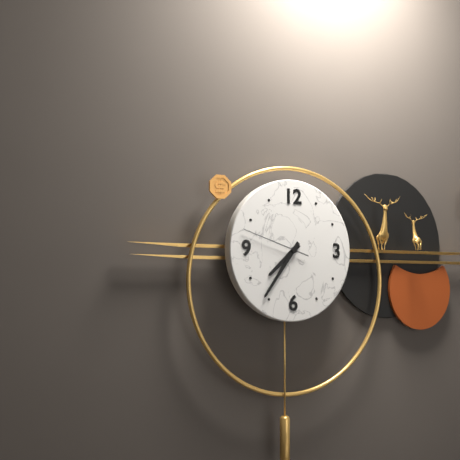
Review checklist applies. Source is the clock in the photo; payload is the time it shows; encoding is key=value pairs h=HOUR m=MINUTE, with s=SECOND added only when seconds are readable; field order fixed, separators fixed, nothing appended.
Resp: h=7 m=36 s=48
